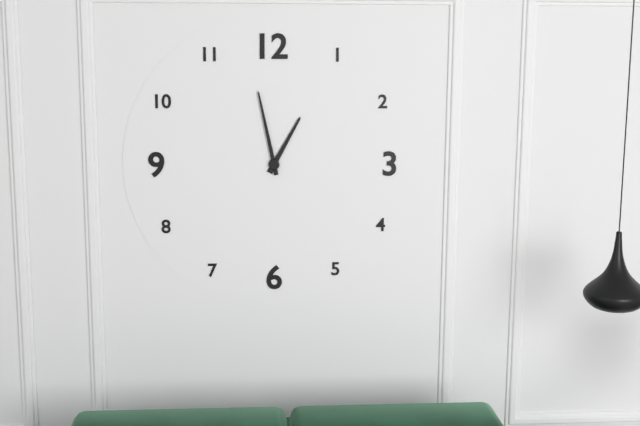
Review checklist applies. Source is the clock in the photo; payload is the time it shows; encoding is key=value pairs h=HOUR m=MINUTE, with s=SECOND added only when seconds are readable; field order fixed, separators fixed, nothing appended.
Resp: h=12 m=58
